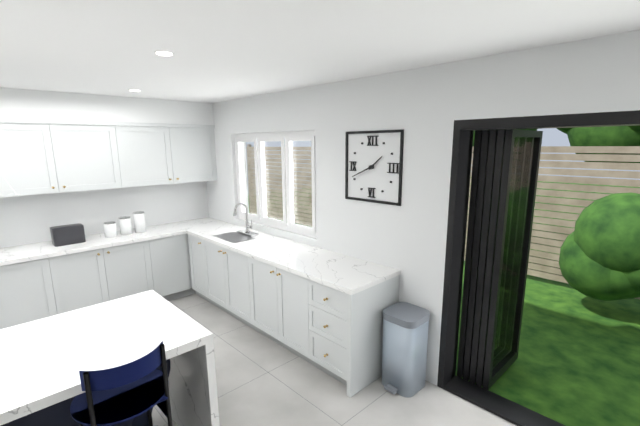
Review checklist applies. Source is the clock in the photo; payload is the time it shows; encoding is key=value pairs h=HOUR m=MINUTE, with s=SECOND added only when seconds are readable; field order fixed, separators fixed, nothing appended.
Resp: h=1 m=41
